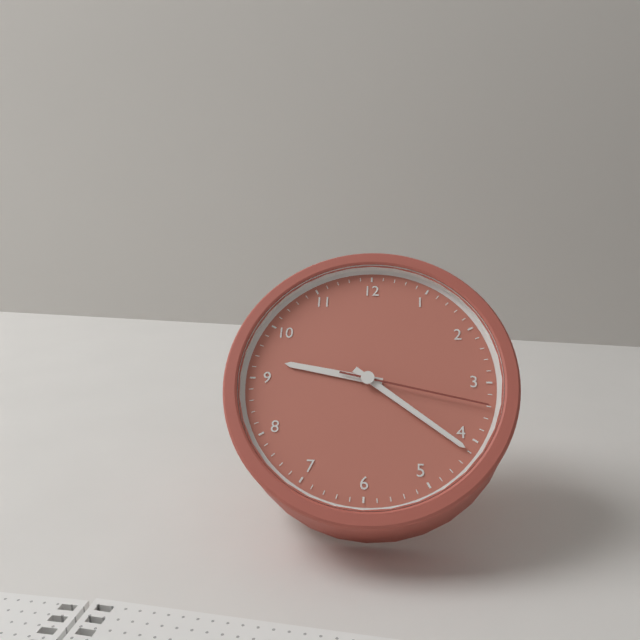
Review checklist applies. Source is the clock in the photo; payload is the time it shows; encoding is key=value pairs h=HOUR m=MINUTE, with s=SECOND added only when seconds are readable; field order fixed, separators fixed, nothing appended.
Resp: h=9 m=21 s=17
